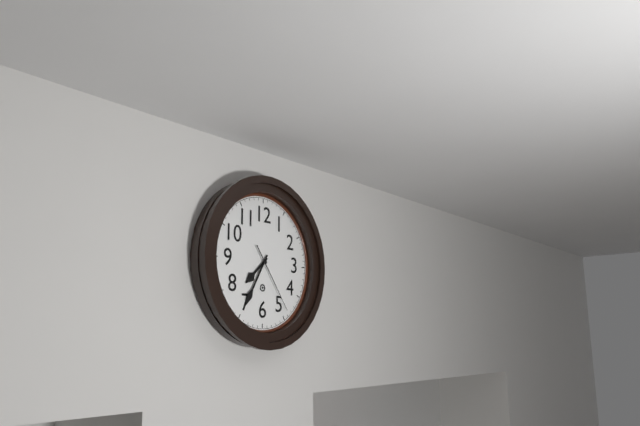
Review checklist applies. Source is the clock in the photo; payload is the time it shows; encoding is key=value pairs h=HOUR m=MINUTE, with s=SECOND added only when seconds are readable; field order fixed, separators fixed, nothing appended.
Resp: h=7 m=35 s=24
